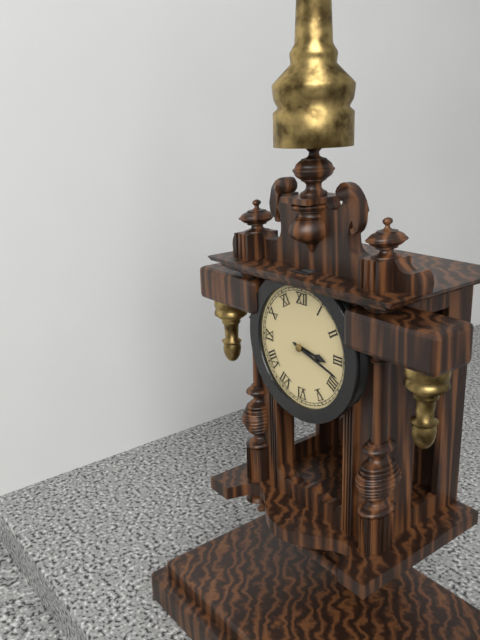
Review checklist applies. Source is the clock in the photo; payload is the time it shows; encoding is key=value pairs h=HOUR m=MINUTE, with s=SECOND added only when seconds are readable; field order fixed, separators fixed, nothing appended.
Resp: h=3 m=18
